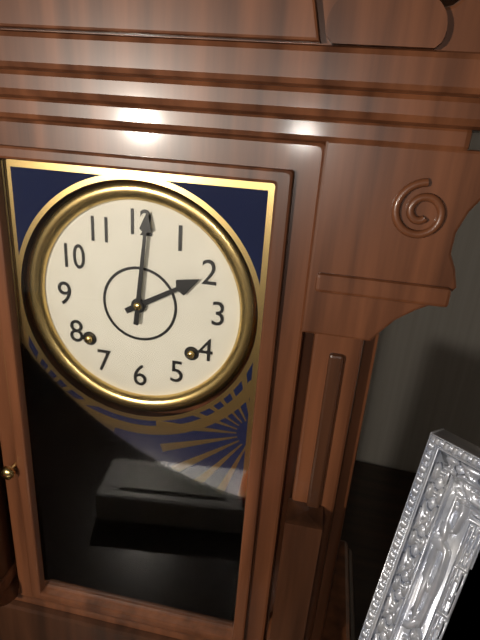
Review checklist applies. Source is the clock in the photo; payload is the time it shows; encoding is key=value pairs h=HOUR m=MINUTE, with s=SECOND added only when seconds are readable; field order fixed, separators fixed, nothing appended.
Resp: h=2 m=1
